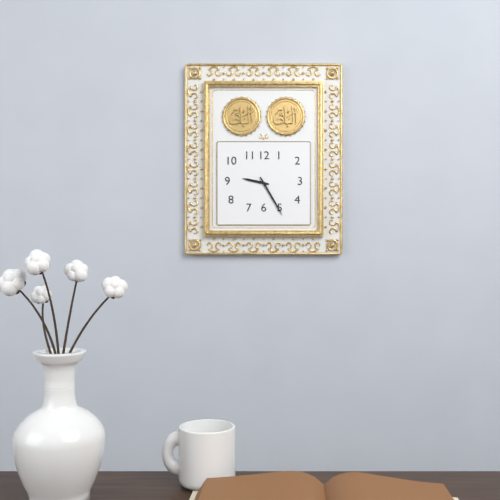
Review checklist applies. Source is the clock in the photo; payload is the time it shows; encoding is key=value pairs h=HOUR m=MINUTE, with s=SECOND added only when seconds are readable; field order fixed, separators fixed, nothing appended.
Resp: h=9 m=25
